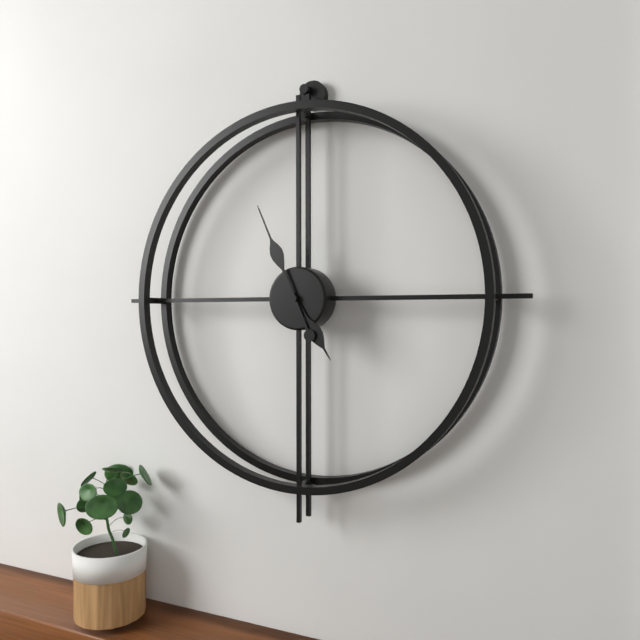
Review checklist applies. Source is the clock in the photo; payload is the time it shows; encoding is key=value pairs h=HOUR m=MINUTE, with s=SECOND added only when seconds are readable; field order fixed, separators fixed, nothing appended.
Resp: h=4 m=56
